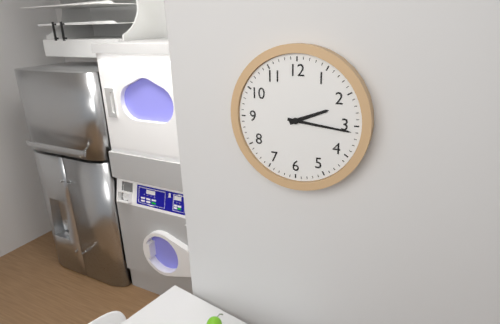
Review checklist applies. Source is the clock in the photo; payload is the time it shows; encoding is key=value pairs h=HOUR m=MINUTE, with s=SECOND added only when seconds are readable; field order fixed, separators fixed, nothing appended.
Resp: h=2 m=16
